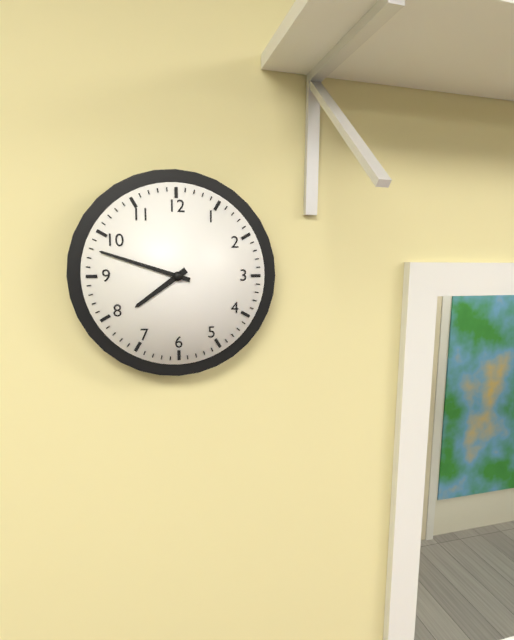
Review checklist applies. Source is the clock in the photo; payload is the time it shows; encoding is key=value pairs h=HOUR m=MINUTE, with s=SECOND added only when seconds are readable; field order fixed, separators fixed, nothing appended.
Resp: h=7 m=48
